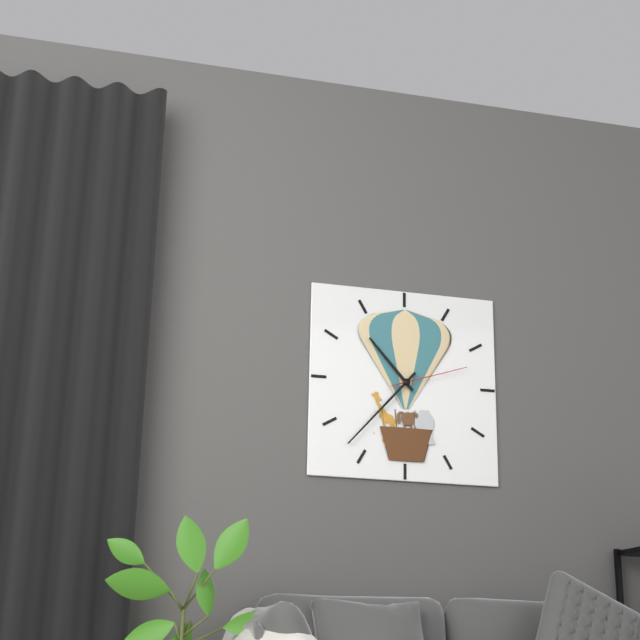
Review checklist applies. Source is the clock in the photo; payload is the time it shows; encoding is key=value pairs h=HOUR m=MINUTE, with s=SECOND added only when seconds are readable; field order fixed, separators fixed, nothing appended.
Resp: h=10 m=37 s=12
